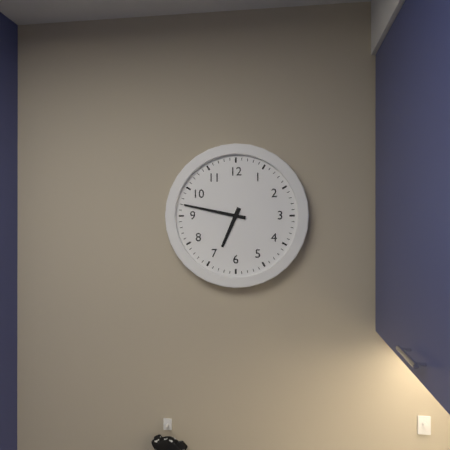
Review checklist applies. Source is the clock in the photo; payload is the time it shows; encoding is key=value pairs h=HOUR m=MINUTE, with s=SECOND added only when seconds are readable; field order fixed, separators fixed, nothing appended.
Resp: h=6 m=47
